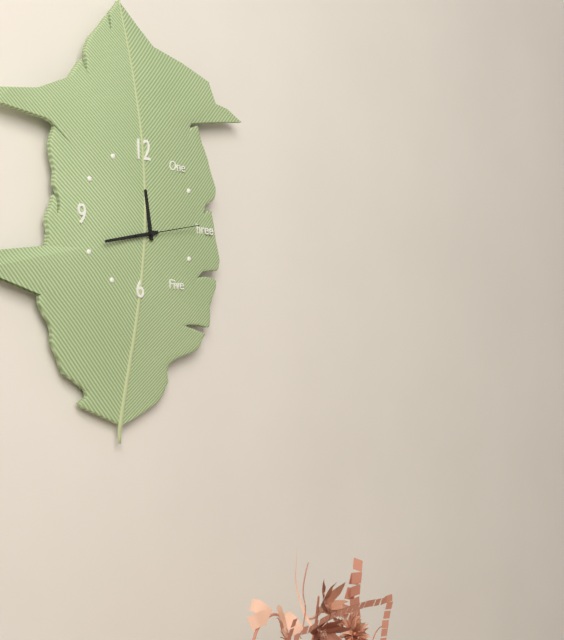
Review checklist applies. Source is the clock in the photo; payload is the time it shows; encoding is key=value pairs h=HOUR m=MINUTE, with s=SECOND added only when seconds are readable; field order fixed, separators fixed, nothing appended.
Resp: h=11 m=43 s=13
